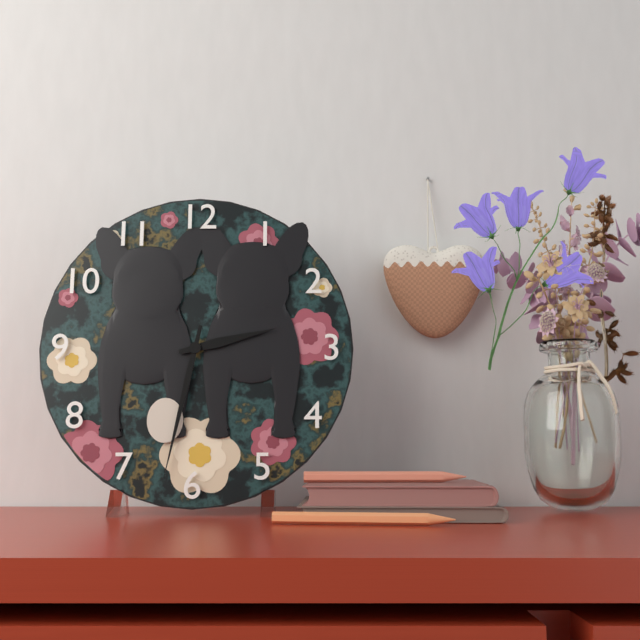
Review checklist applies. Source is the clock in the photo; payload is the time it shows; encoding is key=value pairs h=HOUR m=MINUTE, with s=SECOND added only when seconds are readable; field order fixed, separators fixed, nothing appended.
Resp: h=2 m=32
